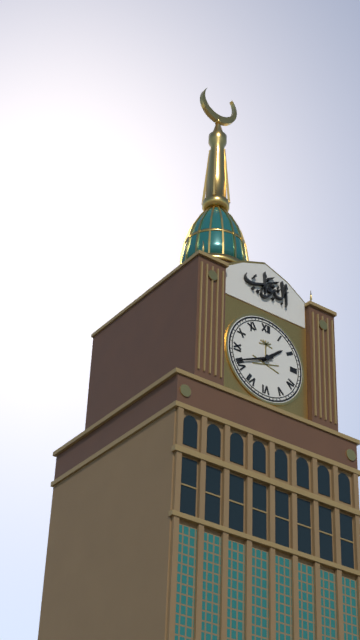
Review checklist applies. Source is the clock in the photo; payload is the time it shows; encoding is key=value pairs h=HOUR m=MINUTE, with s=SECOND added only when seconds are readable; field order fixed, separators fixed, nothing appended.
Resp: h=1 m=41
